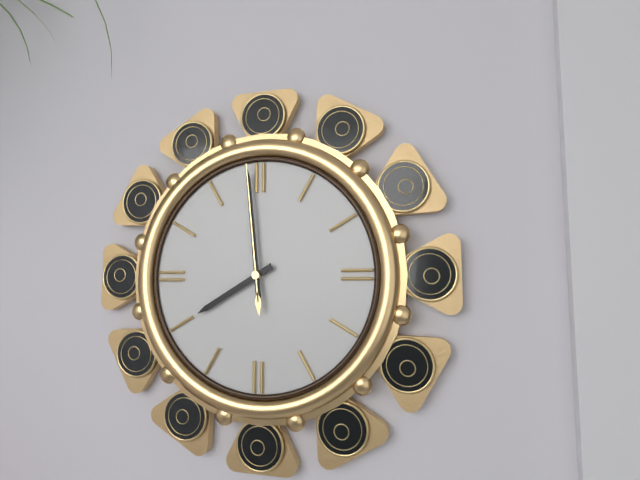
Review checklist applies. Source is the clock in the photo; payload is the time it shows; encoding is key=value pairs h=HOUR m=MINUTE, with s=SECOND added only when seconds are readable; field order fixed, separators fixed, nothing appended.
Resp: h=7 m=59 s=59
